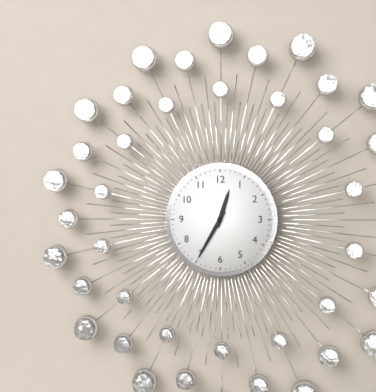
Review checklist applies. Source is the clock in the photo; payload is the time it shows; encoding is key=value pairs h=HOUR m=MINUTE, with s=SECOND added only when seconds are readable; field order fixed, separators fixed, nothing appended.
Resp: h=12 m=35
